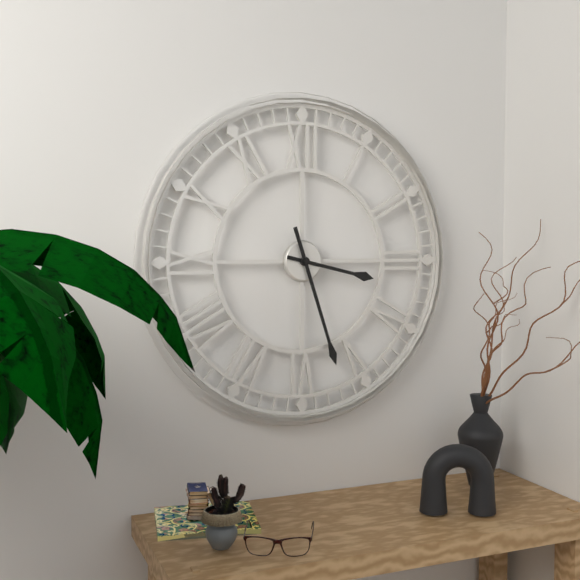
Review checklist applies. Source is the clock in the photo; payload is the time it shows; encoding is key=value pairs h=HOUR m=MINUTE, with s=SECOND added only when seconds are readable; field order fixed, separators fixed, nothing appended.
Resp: h=3 m=27
